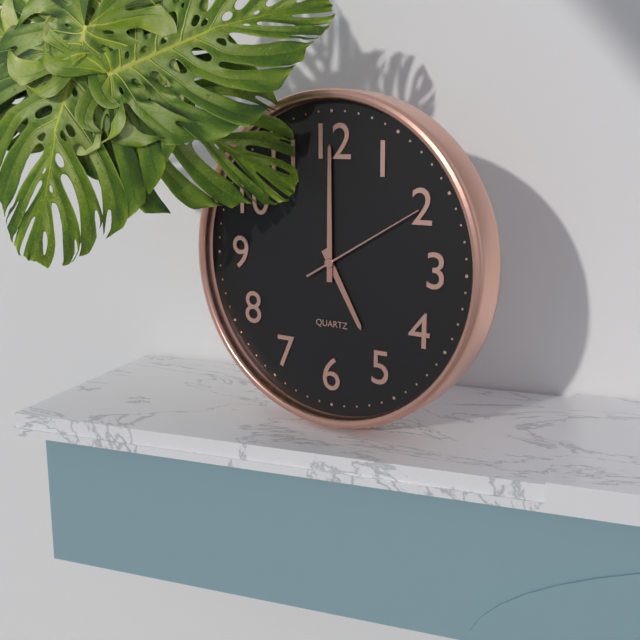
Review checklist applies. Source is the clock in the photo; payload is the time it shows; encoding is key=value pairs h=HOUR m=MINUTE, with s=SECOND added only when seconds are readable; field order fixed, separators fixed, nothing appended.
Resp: h=5 m=0 s=10
